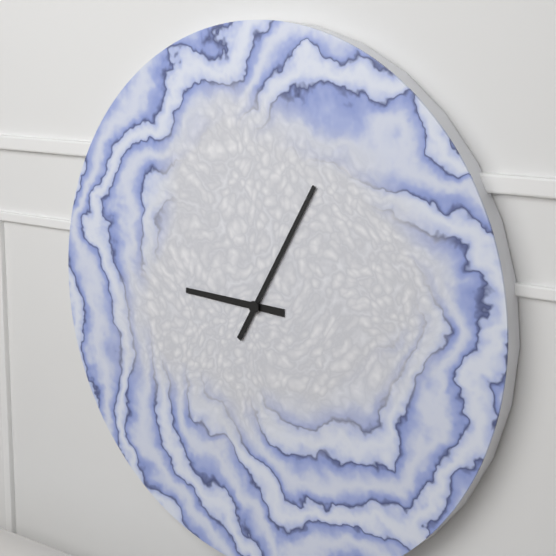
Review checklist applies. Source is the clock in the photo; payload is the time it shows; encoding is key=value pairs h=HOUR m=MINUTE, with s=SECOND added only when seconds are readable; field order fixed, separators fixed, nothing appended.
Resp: h=9 m=5
